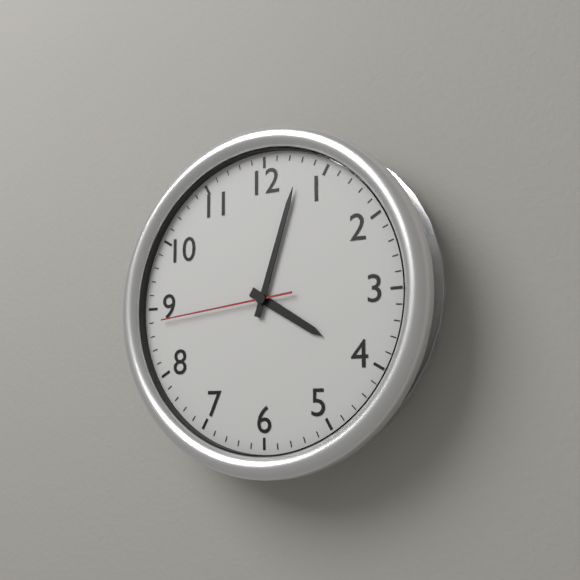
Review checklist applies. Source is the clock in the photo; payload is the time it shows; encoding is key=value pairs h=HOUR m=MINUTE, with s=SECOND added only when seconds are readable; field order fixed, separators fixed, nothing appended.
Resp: h=4 m=3 s=44
